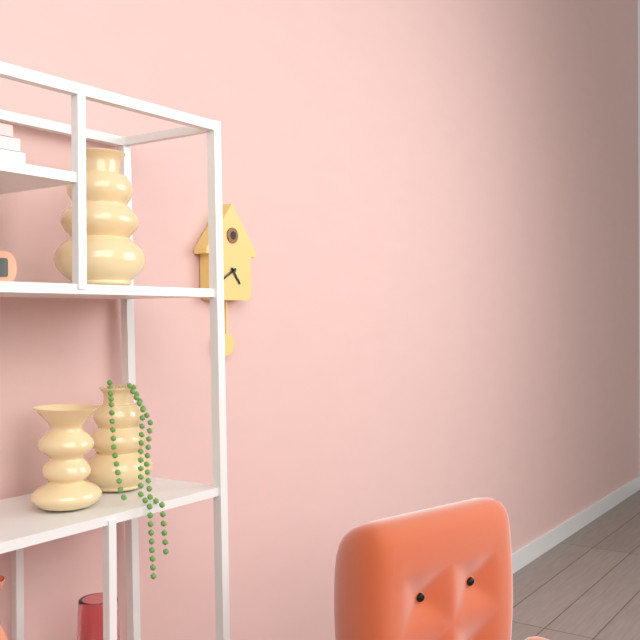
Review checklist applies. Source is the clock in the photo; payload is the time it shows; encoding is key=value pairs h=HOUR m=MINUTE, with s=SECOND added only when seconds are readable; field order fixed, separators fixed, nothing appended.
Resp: h=4 m=40
